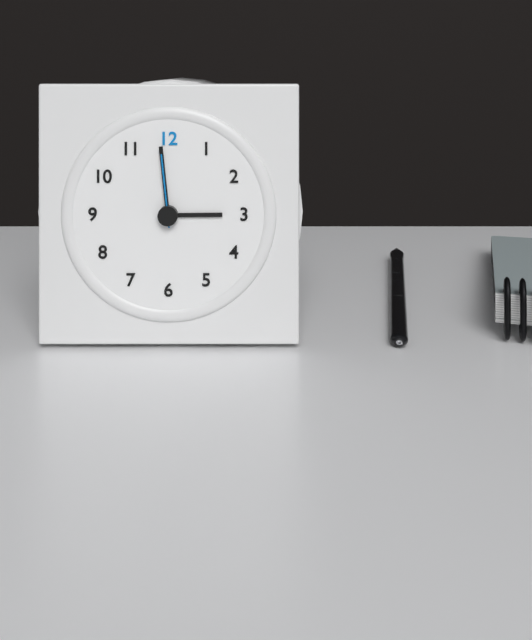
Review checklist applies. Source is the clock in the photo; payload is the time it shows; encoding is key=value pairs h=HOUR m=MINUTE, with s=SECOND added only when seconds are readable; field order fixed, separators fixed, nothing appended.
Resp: h=2 m=59 s=59
